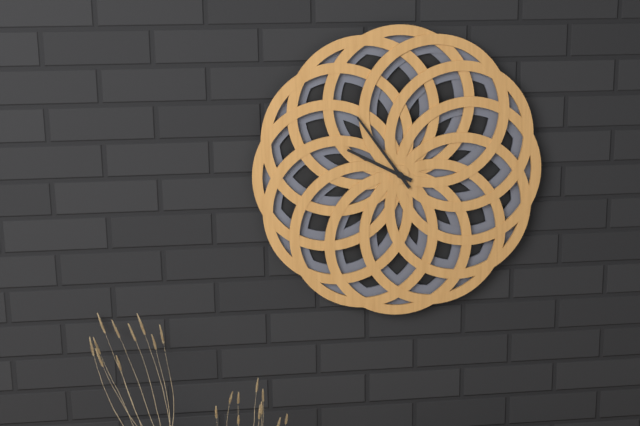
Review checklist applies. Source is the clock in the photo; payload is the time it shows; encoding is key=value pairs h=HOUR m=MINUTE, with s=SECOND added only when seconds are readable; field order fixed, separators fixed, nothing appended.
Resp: h=9 m=54
